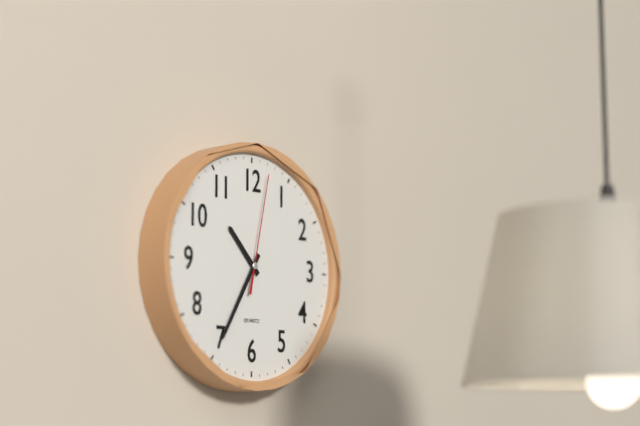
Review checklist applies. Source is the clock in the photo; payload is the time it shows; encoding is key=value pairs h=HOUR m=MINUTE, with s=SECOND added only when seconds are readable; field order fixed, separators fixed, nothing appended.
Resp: h=10 m=35 s=2
